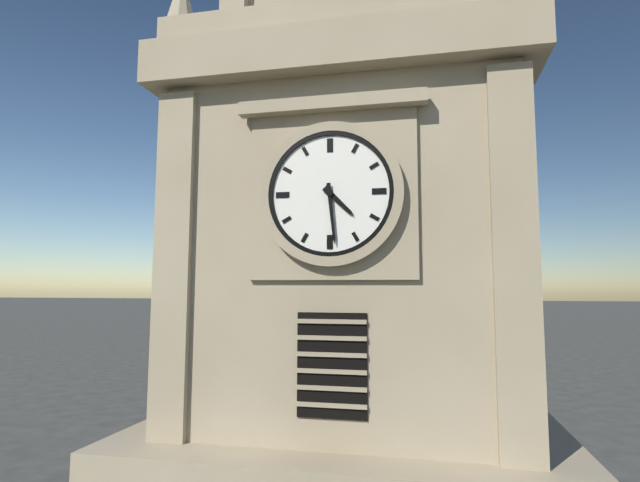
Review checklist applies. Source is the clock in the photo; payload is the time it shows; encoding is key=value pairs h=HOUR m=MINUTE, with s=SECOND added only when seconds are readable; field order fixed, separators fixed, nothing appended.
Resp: h=4 m=29
